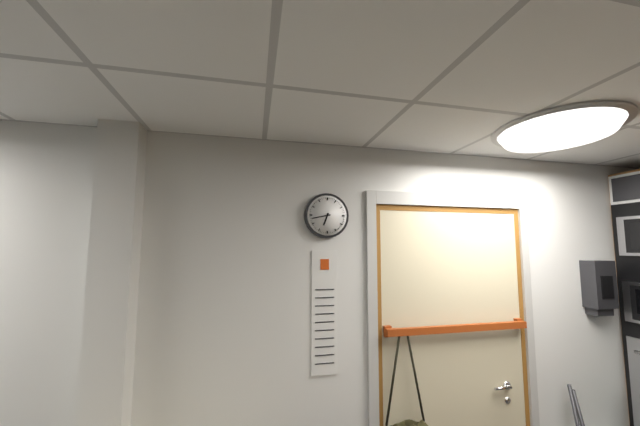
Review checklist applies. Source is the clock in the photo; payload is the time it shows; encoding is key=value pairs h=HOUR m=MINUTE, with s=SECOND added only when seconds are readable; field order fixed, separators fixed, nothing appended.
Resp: h=6 m=43
